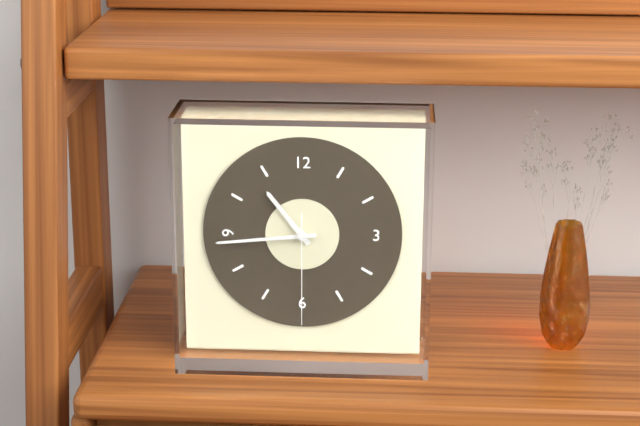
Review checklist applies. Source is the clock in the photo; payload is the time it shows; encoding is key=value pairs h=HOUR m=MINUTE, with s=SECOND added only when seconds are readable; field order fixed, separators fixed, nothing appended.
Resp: h=10 m=44 s=30
